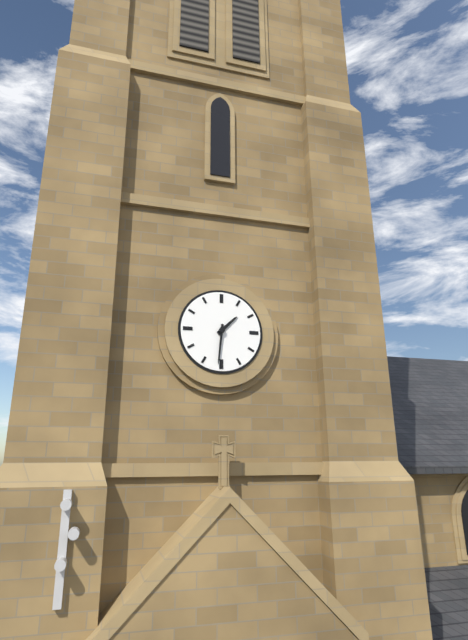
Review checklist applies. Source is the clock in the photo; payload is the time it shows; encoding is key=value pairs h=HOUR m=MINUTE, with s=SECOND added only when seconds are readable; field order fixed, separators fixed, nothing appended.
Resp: h=1 m=31
